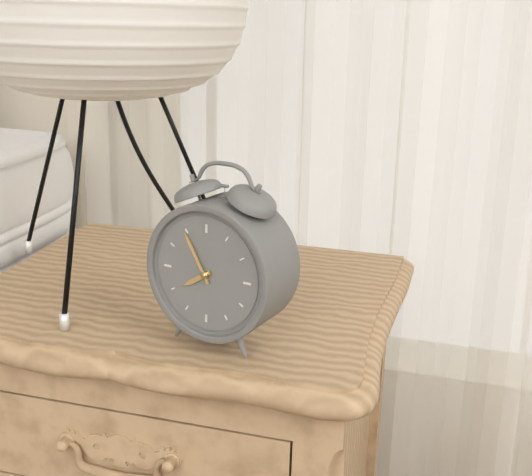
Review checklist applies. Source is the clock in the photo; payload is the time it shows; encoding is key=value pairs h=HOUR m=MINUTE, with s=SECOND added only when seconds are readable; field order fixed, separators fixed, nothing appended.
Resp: h=7 m=55
